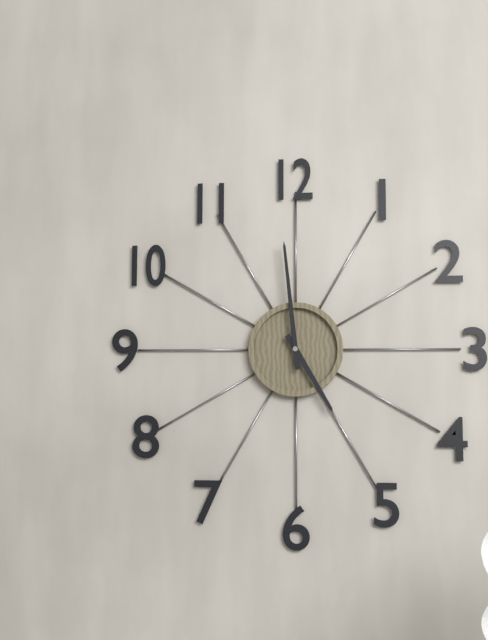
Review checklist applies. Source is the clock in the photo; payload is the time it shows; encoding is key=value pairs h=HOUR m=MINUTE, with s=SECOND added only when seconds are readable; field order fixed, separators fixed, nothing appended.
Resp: h=4 m=59
